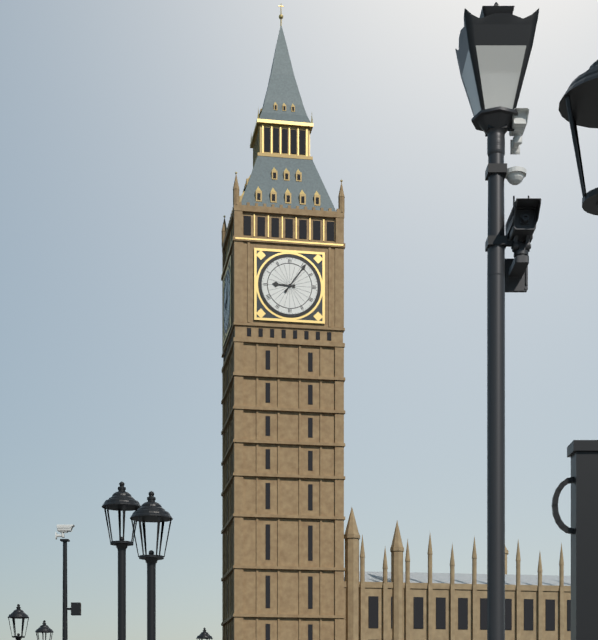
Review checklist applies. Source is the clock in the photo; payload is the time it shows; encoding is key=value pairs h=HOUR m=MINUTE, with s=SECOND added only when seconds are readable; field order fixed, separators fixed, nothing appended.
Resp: h=9 m=6
